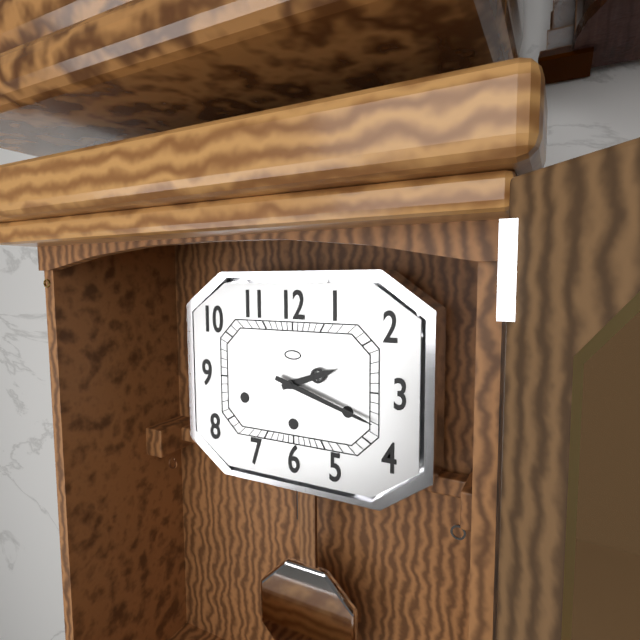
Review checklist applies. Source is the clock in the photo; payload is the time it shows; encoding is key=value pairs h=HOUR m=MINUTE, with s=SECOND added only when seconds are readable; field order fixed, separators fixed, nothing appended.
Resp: h=2 m=18
